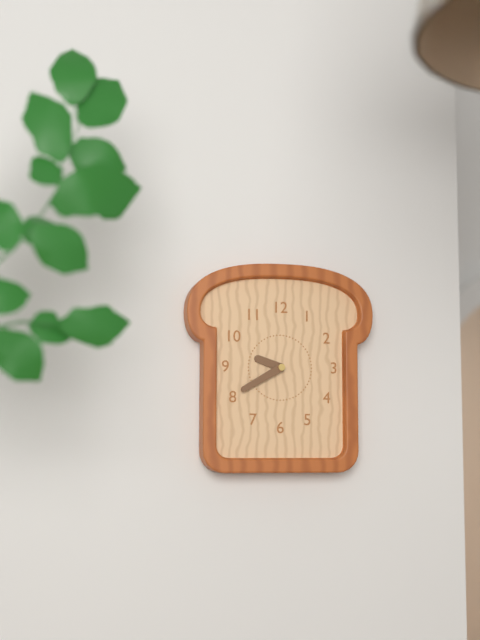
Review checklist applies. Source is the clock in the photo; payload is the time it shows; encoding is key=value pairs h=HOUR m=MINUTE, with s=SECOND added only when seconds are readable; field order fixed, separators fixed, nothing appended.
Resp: h=9 m=40
